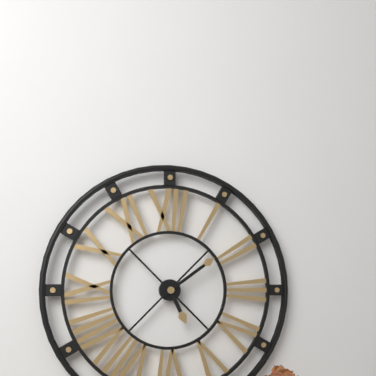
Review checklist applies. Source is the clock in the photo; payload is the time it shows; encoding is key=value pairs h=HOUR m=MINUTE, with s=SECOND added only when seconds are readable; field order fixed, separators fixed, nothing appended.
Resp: h=5 m=9
